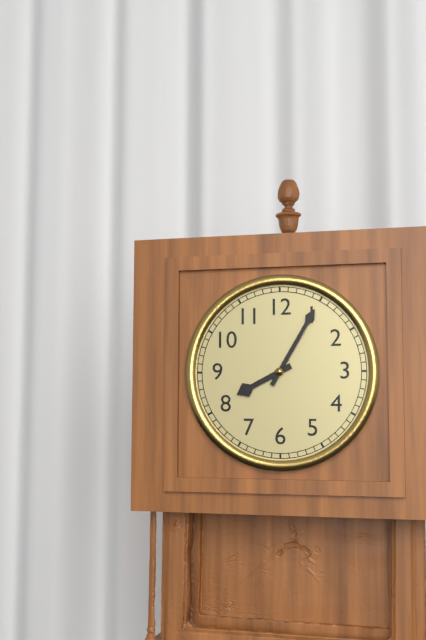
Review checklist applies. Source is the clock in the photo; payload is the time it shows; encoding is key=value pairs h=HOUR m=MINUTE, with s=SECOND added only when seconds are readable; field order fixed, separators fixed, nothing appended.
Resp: h=8 m=5
